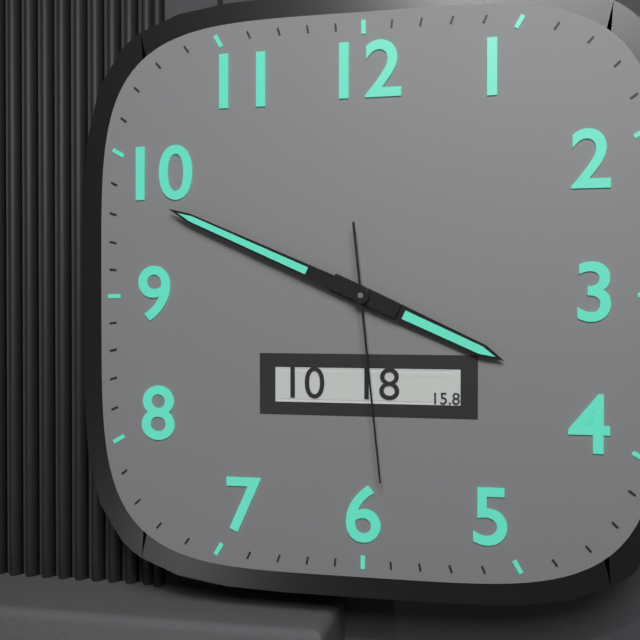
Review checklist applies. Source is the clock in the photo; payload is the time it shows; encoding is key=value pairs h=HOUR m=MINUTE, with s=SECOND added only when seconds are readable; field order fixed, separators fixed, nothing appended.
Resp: h=3 m=49 s=29
